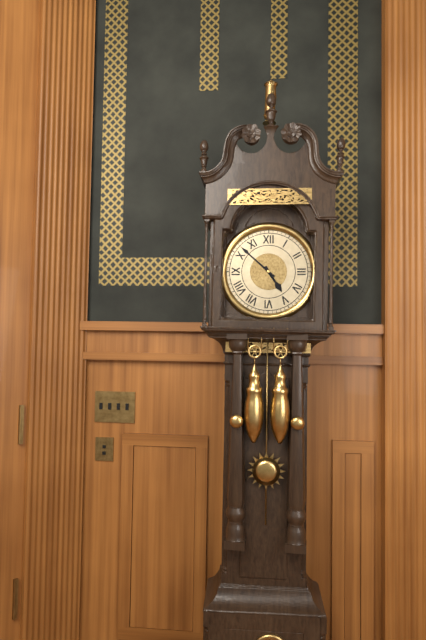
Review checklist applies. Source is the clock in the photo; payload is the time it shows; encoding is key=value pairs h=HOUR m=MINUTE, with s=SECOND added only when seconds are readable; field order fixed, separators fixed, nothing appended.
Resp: h=4 m=52
